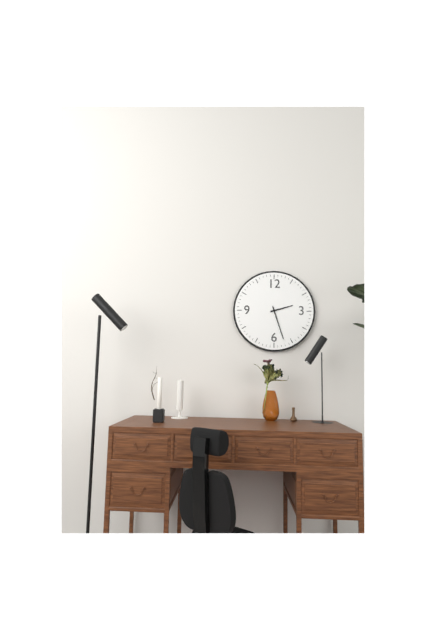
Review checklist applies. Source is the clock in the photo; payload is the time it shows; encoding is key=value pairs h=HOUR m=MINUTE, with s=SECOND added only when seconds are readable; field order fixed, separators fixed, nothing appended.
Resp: h=2 m=27
